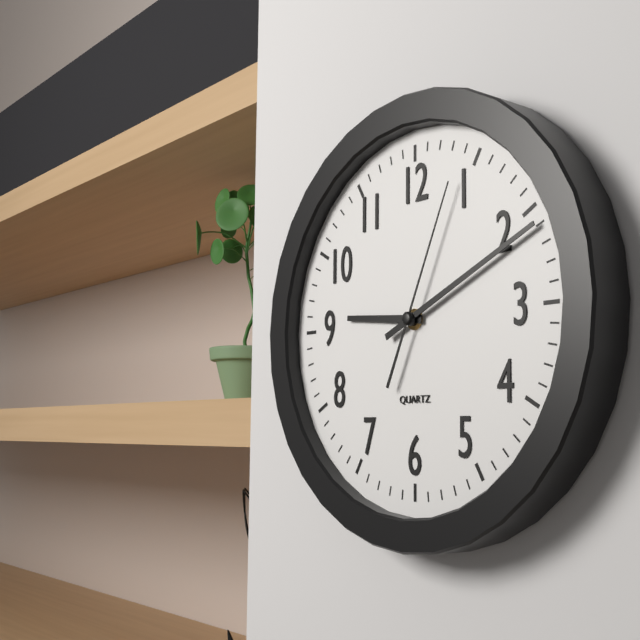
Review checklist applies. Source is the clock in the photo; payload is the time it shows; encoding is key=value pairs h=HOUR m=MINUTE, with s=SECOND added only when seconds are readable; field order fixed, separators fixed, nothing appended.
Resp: h=9 m=11 s=4
